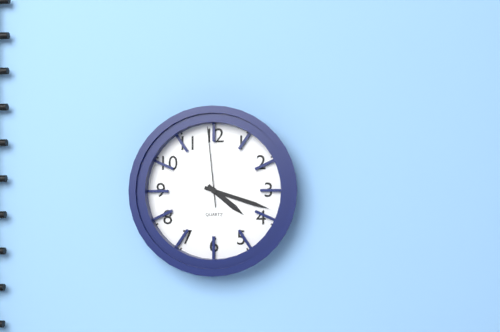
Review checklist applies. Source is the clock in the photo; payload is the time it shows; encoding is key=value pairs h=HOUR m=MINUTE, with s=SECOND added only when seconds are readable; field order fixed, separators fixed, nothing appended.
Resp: h=4 m=18 s=59
